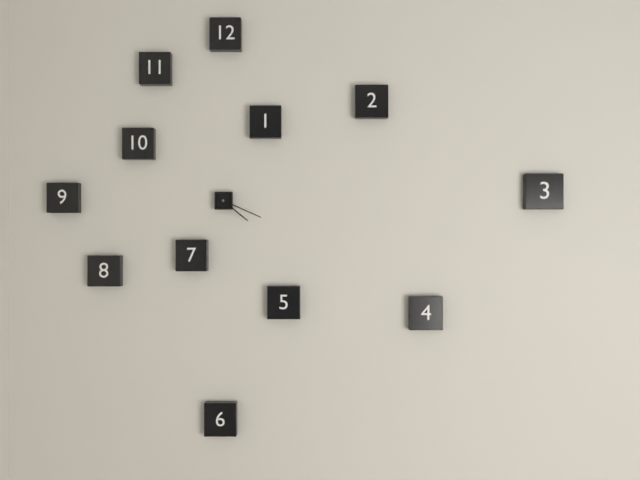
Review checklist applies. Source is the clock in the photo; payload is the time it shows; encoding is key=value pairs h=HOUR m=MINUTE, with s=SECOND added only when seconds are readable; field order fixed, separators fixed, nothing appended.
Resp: h=4 m=19
